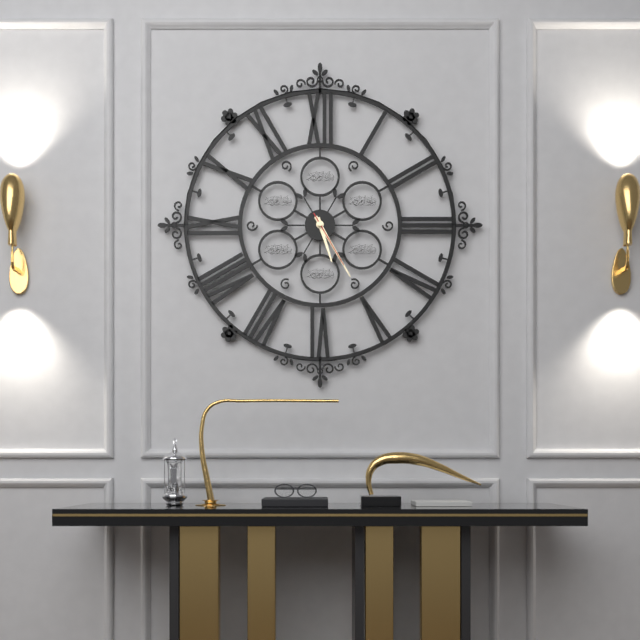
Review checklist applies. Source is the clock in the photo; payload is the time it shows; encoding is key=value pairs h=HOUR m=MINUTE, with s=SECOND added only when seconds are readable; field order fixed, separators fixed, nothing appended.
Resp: h=5 m=25 s=25
